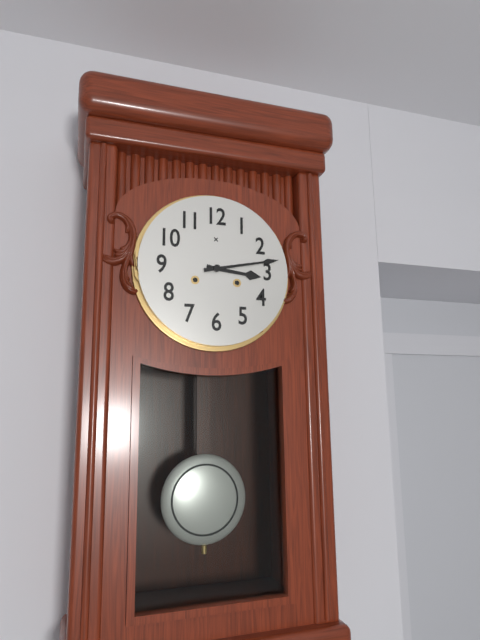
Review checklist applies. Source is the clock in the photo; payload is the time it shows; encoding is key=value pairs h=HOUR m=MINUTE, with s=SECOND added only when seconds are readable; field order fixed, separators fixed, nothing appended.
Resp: h=3 m=13
